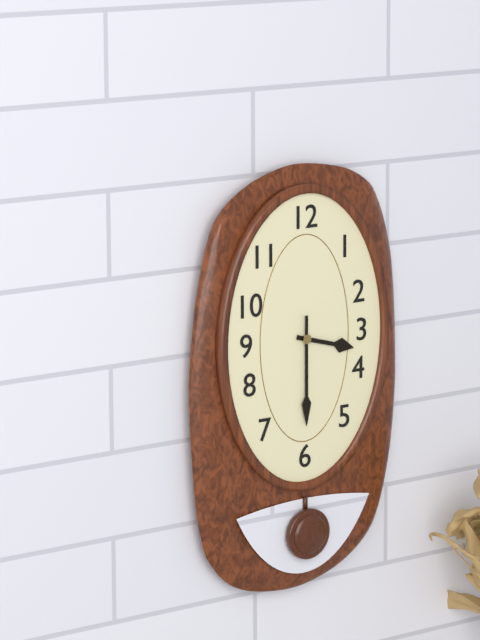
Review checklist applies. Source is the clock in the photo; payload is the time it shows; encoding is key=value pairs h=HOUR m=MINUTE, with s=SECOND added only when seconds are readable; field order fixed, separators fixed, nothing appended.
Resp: h=3 m=30
